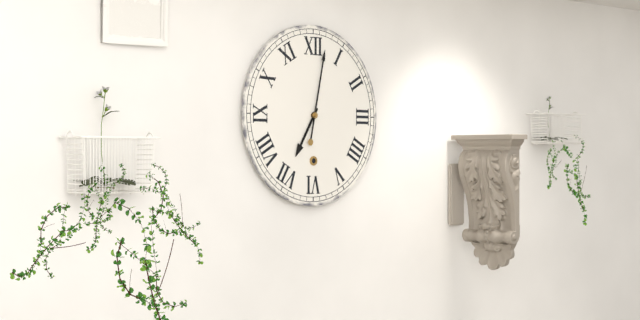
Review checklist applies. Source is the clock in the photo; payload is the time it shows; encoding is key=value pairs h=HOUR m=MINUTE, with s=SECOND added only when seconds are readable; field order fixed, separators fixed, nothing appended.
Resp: h=7 m=2
